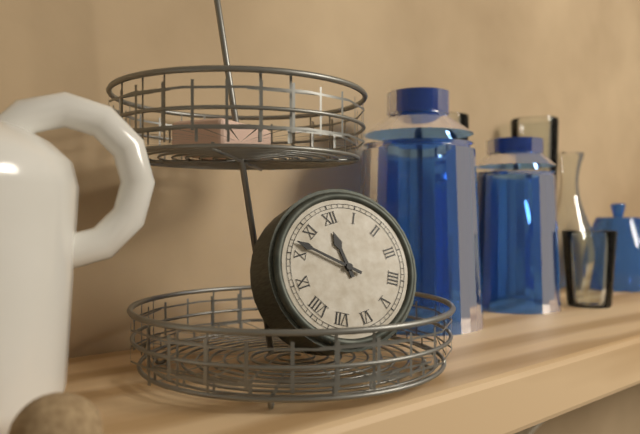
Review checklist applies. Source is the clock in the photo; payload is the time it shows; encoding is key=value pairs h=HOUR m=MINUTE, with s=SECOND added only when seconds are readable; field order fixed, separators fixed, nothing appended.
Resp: h=11 m=52
